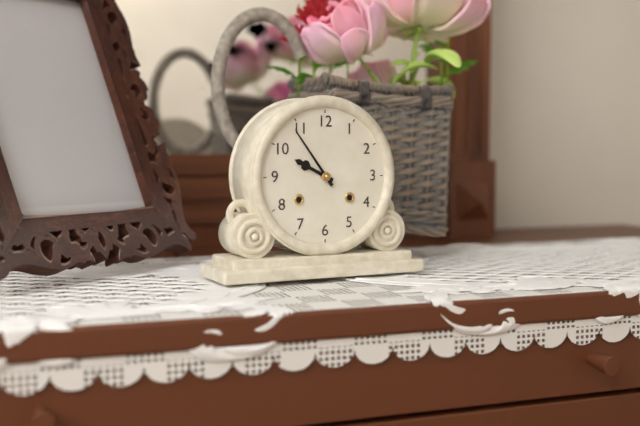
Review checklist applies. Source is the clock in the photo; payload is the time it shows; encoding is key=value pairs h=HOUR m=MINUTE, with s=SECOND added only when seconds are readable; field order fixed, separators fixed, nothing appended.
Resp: h=9 m=54
